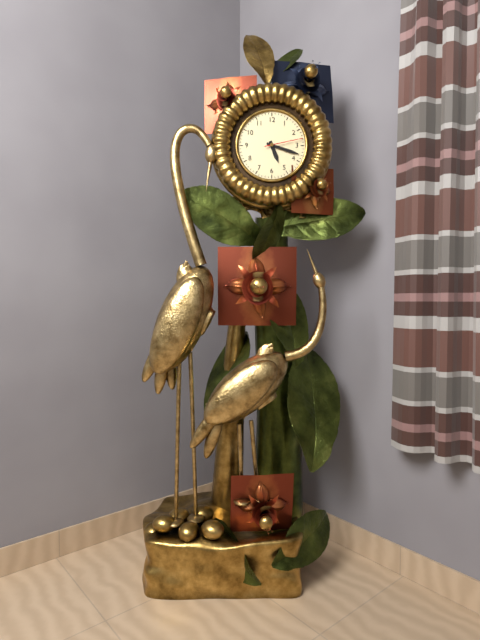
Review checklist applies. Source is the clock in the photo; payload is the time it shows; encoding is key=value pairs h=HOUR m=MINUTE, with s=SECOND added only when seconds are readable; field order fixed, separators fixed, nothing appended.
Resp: h=5 m=18
